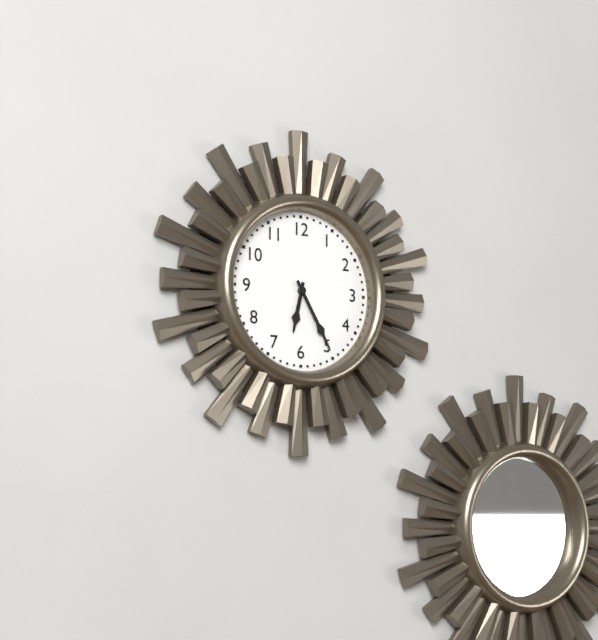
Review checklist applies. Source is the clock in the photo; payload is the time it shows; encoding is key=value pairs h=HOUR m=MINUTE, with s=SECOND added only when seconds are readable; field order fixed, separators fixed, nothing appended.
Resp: h=6 m=25
